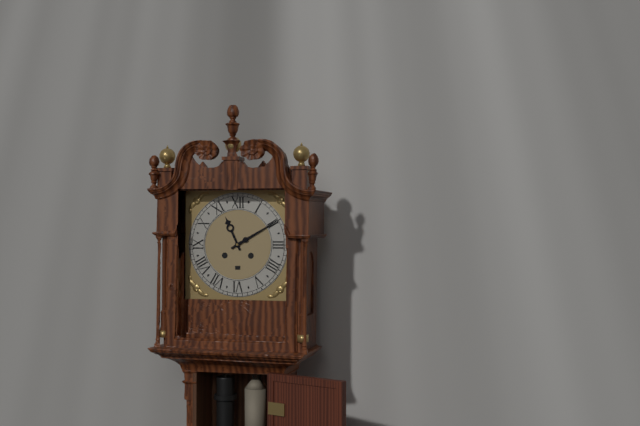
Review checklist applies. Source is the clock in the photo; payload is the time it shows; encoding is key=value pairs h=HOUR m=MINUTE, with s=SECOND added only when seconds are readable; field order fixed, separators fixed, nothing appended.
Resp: h=11 m=10
